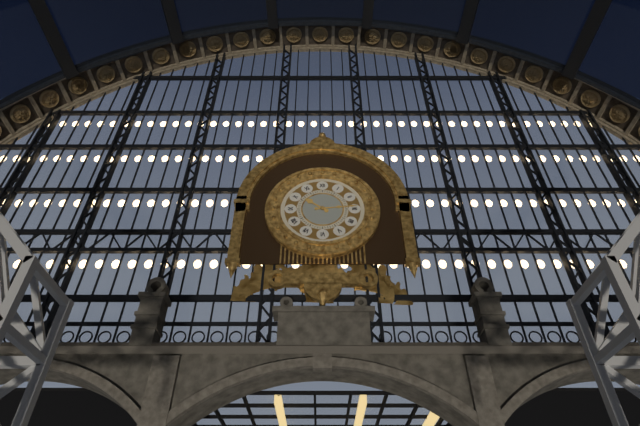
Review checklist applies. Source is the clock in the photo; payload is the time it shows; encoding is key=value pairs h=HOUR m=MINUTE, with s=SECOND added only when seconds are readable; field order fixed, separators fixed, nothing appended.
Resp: h=10 m=14
